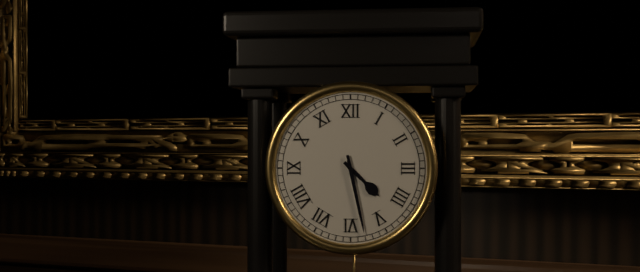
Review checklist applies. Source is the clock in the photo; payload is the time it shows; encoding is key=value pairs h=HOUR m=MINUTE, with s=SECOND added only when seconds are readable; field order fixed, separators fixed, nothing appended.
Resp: h=4 m=28
